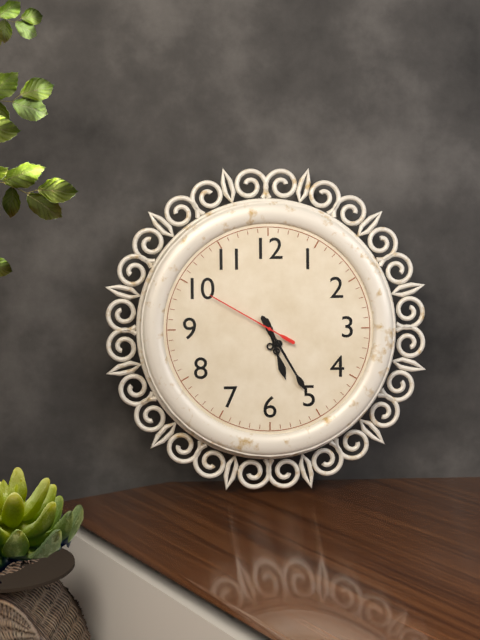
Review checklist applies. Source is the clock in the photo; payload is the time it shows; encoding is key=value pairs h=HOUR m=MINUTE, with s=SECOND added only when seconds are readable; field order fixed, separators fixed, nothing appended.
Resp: h=5 m=25 s=50
